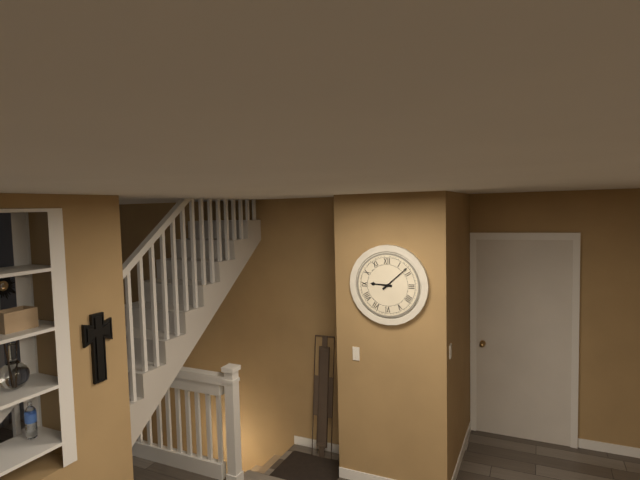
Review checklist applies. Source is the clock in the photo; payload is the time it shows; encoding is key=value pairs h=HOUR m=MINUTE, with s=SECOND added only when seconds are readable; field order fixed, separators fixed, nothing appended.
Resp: h=9 m=8
